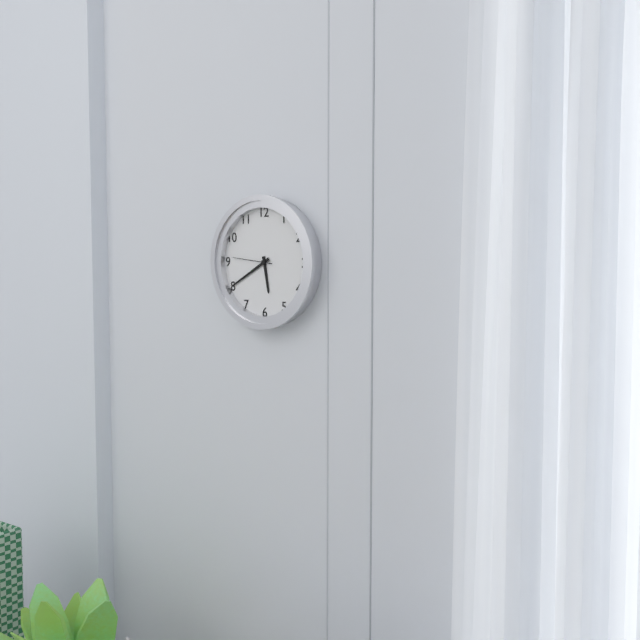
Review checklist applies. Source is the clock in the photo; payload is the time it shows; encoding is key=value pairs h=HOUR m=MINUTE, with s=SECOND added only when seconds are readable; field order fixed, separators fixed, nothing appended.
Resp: h=5 m=40
